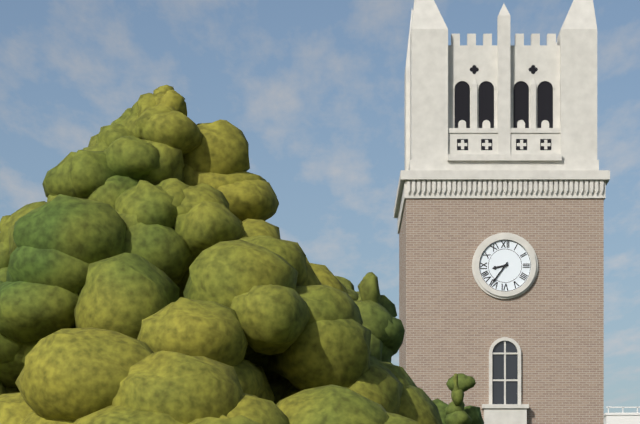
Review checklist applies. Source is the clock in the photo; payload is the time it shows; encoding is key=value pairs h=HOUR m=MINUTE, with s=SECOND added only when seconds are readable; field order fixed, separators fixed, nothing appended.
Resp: h=8 m=36
